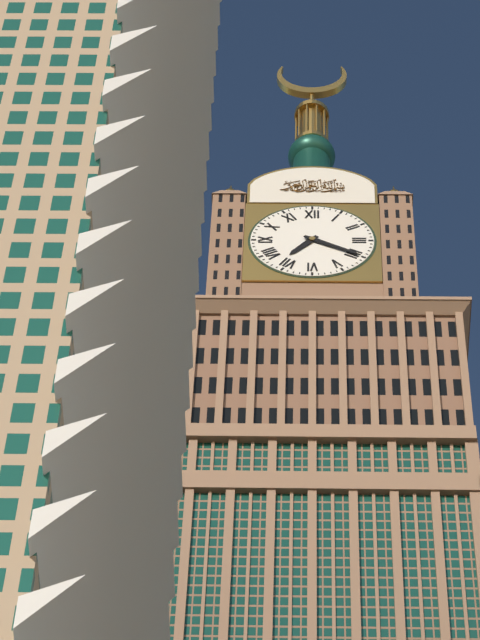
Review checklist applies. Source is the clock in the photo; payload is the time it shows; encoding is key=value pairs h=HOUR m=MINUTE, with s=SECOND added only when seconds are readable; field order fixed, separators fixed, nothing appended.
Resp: h=7 m=20
